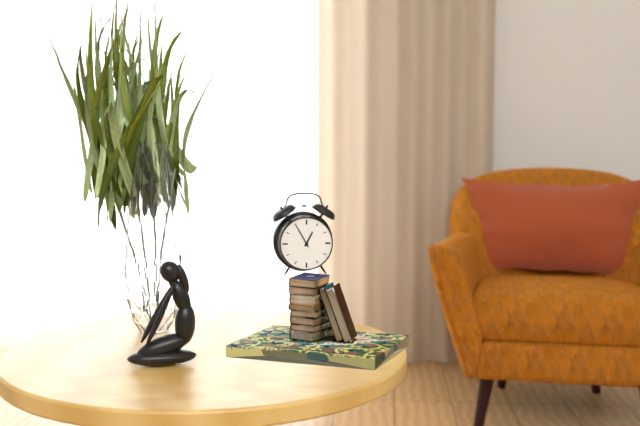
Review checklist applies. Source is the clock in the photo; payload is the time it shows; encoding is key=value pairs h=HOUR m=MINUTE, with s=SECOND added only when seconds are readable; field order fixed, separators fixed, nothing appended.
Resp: h=12 m=55
